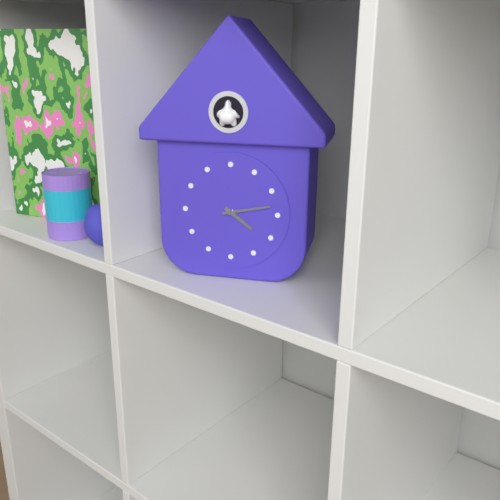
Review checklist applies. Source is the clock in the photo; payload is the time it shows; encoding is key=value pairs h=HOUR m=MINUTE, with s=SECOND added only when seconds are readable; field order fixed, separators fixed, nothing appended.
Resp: h=4 m=13
